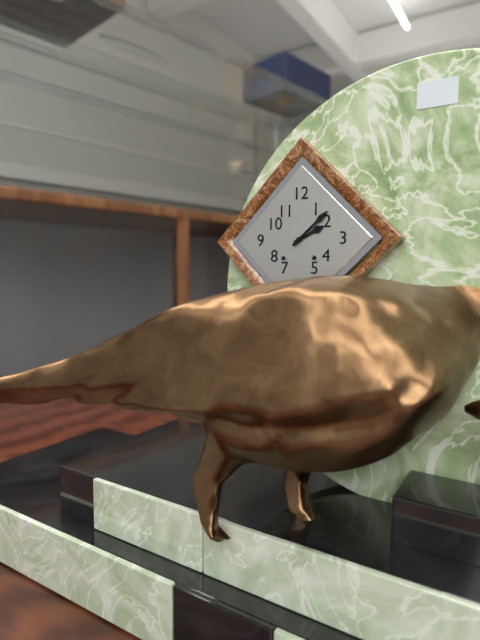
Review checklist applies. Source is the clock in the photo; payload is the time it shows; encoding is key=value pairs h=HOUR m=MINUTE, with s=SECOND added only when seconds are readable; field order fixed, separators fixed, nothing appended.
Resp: h=2 m=8
